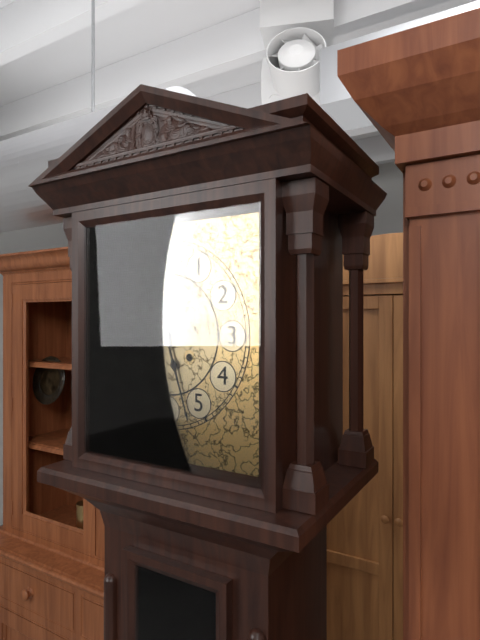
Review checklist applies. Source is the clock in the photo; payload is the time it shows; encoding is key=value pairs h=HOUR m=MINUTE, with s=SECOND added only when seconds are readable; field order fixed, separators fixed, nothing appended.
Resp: h=11 m=27
